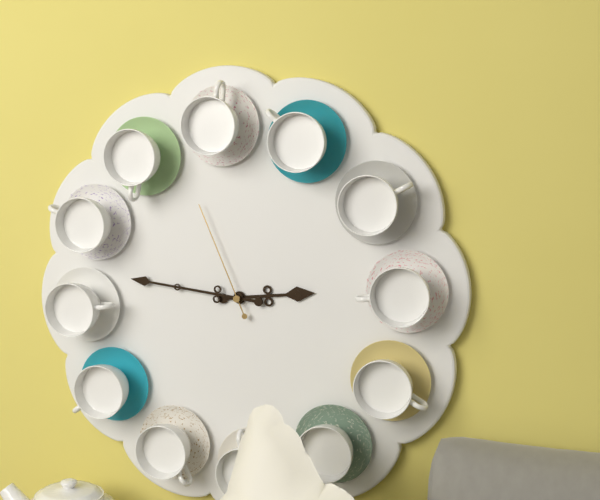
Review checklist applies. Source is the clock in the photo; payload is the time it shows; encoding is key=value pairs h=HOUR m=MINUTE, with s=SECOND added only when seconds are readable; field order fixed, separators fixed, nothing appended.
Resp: h=2 m=46 s=56
